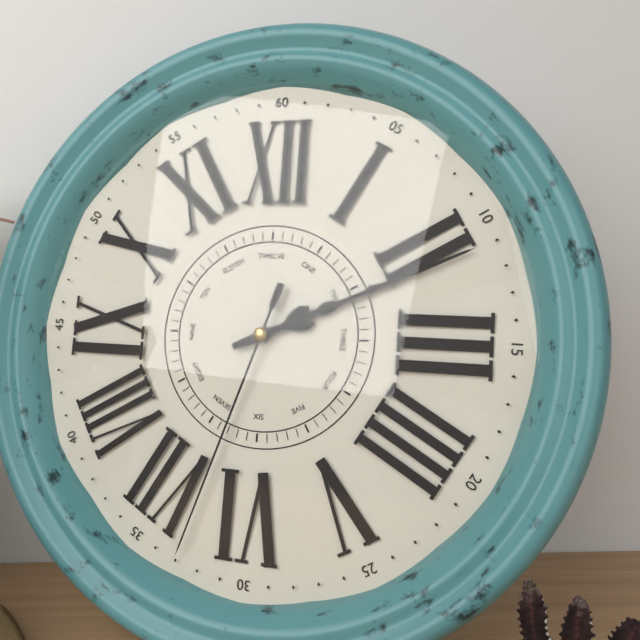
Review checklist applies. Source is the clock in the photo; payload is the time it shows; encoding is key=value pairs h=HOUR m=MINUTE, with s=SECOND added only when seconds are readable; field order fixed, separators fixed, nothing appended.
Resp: h=2 m=11 s=33
